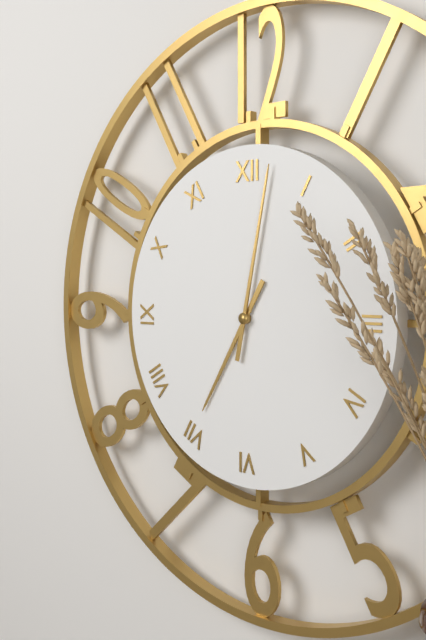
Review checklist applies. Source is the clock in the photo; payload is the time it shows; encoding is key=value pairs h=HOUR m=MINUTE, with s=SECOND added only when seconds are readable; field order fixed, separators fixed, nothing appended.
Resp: h=7 m=2
